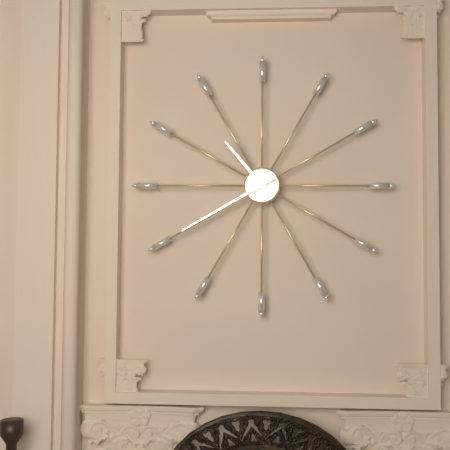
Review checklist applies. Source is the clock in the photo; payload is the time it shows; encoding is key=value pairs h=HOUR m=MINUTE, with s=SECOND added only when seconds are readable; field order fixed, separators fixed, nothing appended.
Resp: h=10 m=40
